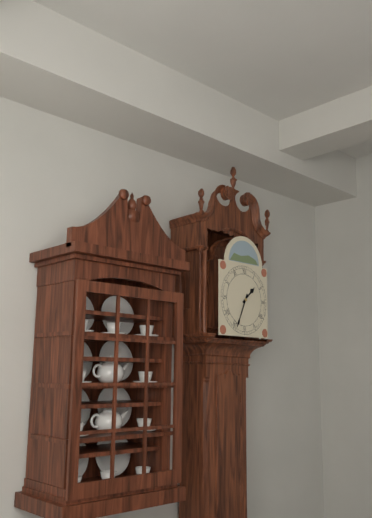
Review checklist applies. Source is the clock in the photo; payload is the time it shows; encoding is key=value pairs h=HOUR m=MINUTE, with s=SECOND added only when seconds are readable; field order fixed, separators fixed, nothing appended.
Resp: h=1 m=34
